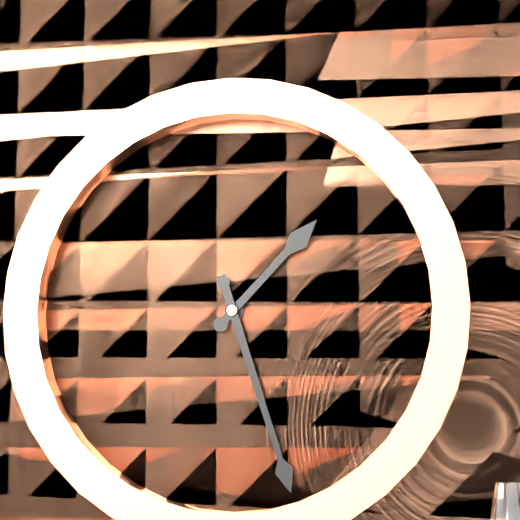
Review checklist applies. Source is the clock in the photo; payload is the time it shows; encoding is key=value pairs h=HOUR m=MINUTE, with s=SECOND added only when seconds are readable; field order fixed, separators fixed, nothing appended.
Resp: h=1 m=27
